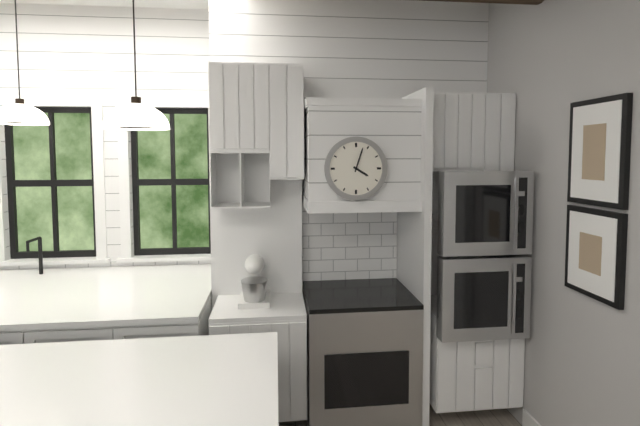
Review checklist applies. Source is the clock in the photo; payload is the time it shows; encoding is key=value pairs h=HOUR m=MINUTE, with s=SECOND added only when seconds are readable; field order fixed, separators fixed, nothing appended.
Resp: h=4 m=3
